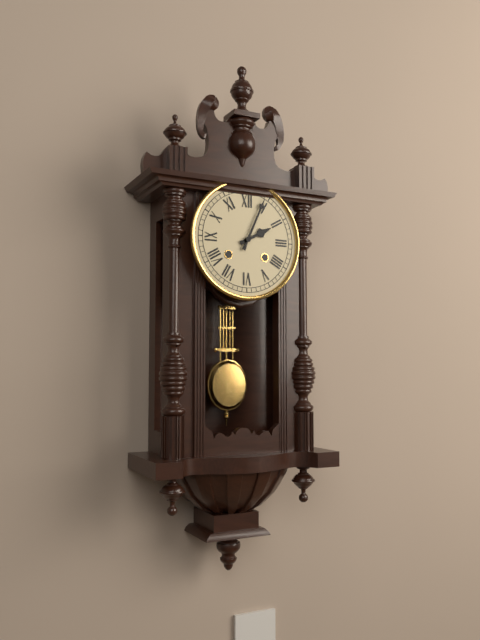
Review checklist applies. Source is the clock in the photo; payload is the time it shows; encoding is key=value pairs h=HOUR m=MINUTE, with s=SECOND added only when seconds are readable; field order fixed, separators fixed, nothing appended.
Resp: h=2 m=4
